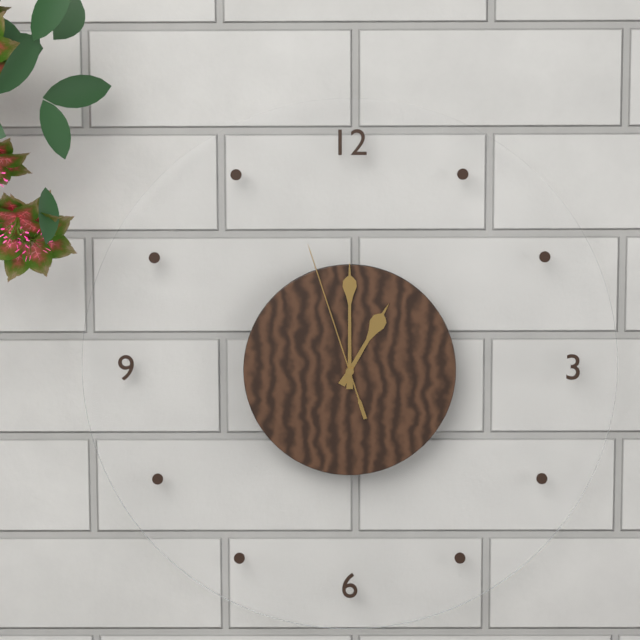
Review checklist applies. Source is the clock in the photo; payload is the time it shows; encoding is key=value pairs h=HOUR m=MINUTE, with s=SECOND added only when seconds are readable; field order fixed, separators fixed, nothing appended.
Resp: h=1 m=0 s=57
